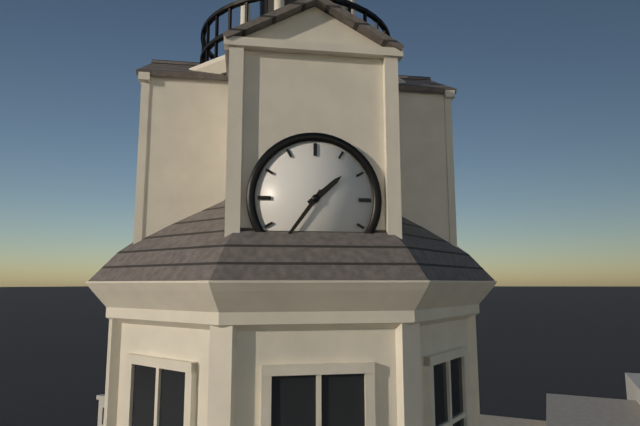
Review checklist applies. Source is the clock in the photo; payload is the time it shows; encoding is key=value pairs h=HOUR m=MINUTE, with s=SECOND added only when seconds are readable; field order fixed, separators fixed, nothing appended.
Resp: h=1 m=36
